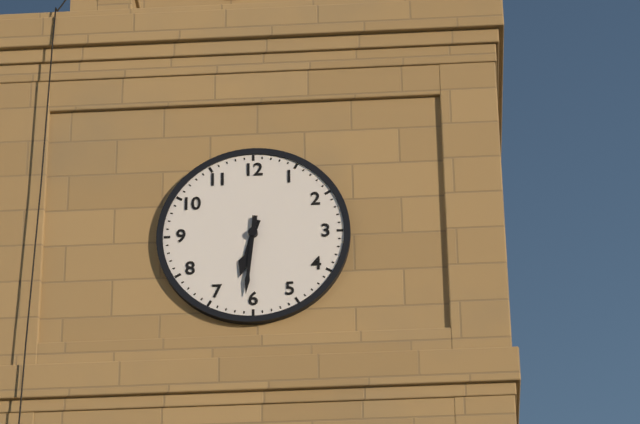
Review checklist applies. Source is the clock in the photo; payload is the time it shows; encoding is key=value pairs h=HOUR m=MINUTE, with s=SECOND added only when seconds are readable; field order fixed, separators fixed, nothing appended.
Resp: h=6 m=31
